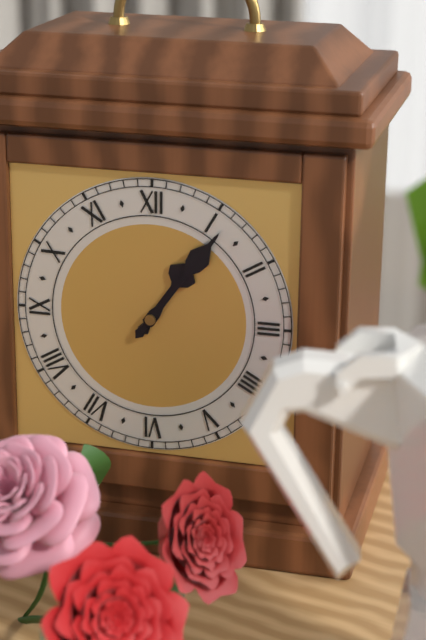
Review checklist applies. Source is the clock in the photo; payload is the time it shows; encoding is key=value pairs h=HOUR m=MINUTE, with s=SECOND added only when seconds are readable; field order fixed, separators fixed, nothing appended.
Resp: h=1 m=6
